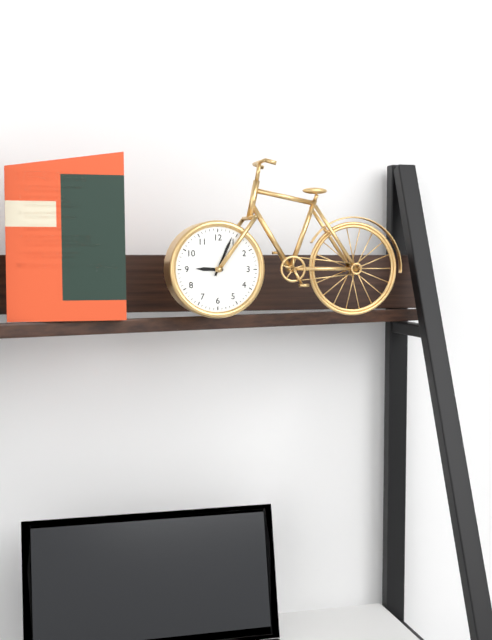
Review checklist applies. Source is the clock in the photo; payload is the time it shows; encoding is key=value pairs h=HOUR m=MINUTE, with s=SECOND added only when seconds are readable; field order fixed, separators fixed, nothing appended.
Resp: h=9 m=4
